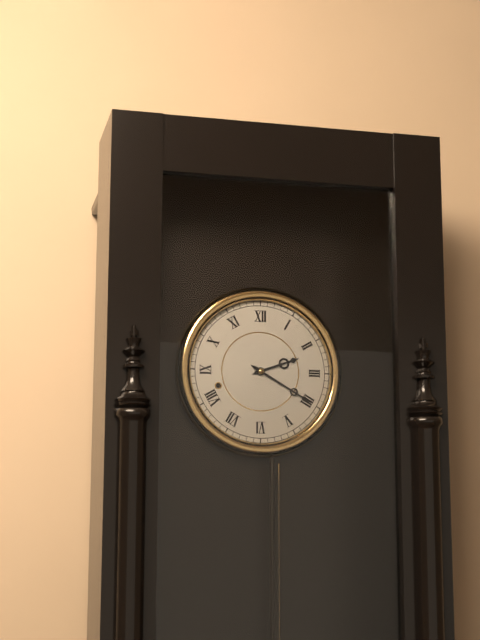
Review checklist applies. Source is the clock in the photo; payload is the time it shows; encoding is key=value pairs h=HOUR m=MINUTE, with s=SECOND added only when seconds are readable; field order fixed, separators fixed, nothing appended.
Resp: h=2 m=20
